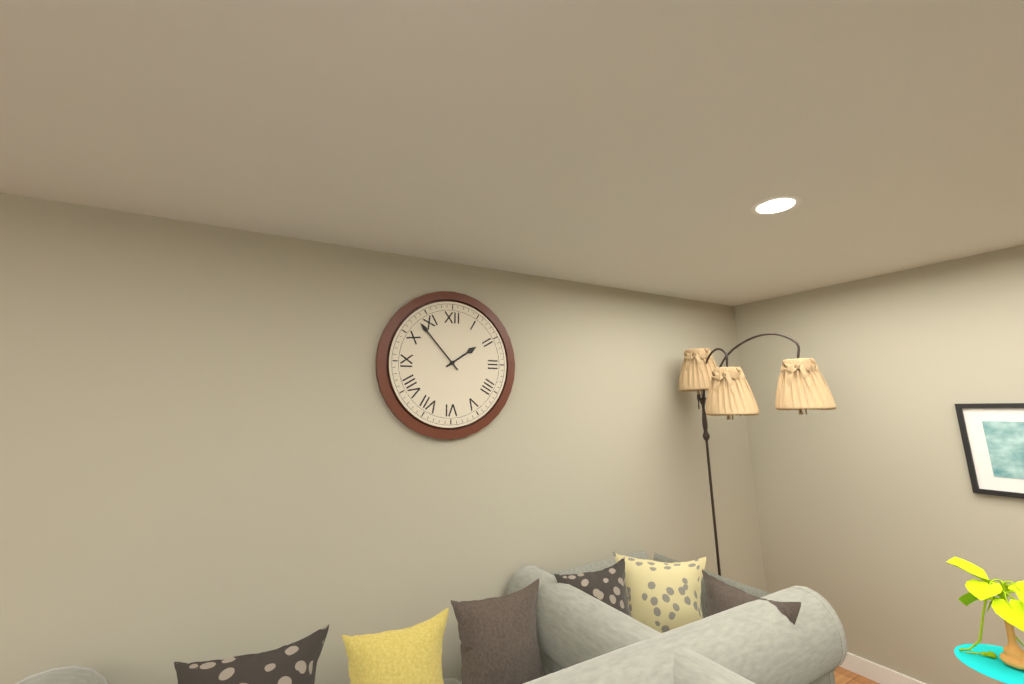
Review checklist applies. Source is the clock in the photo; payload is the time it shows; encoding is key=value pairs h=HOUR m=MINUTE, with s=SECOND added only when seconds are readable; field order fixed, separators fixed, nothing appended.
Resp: h=1 m=53
